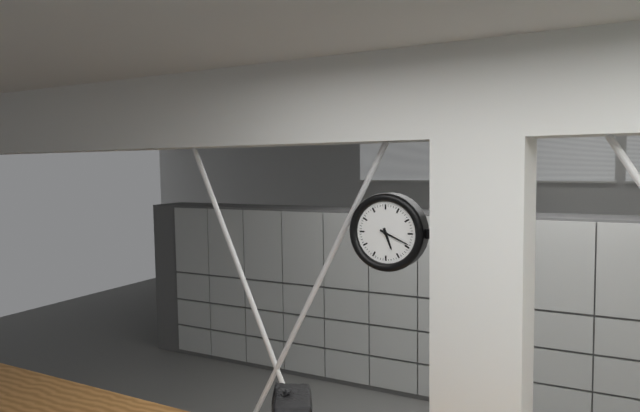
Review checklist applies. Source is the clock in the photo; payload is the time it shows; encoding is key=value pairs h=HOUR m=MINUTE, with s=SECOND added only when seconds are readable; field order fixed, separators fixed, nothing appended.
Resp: h=5 m=19
